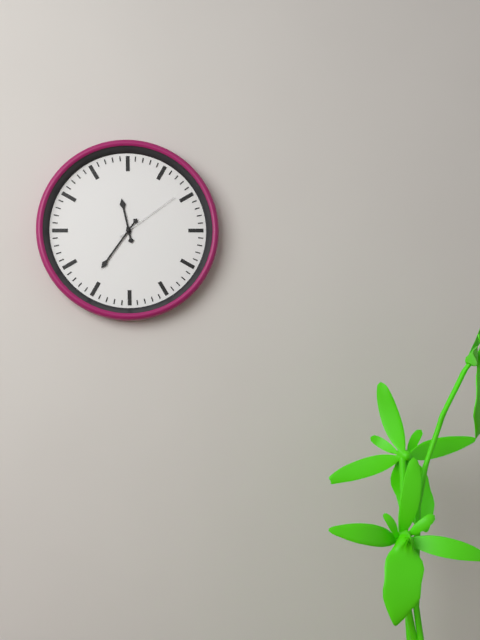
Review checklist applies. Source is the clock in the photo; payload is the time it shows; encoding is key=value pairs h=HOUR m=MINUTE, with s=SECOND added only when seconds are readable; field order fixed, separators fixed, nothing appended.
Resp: h=11 m=36 s=9
